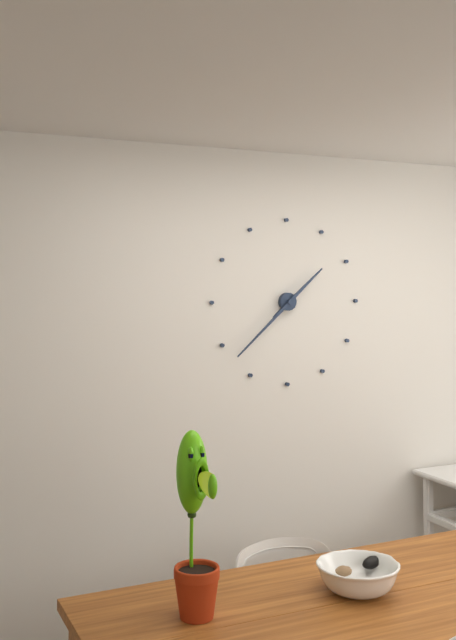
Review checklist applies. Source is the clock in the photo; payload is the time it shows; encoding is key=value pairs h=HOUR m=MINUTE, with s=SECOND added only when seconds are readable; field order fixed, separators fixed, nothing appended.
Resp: h=1 m=38
